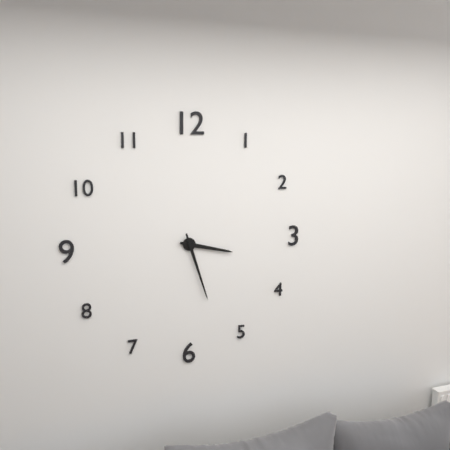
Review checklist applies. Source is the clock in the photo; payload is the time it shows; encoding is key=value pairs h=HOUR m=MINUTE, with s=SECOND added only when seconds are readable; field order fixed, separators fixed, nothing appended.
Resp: h=3 m=27
